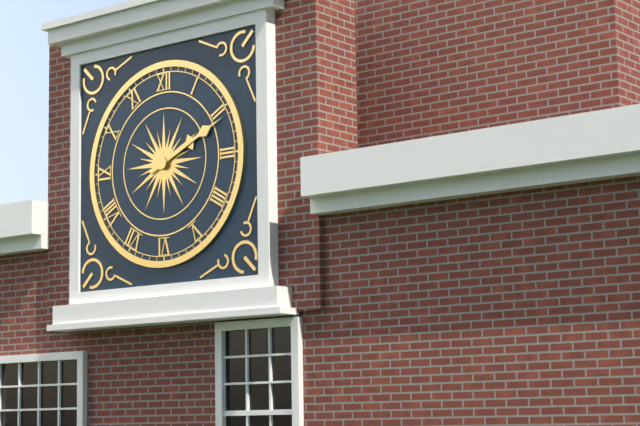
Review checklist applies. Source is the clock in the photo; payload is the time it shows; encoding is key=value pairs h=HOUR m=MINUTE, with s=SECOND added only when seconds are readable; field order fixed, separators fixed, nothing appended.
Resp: h=2 m=11
